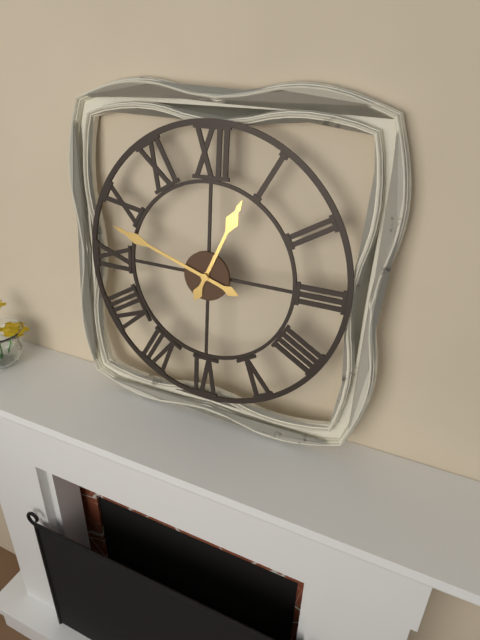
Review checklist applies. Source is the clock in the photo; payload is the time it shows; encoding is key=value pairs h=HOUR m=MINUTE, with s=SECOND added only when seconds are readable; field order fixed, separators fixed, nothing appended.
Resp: h=12 m=48
